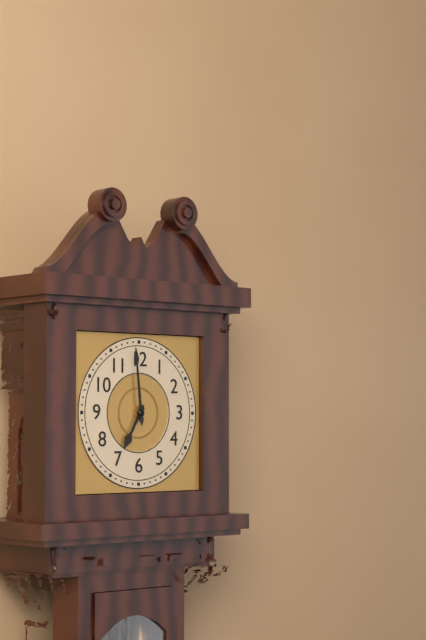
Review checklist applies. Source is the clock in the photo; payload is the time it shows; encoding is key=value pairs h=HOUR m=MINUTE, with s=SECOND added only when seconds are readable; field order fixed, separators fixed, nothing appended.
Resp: h=6 m=59
